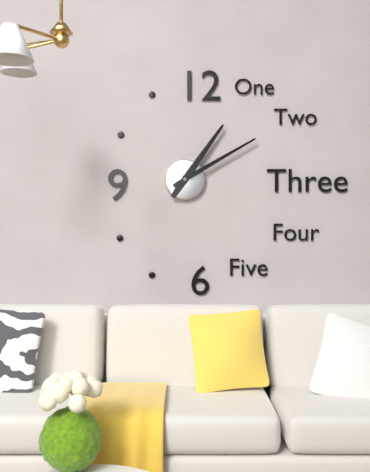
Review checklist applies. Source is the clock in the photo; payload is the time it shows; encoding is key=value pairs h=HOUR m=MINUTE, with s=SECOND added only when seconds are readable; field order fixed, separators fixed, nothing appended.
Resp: h=1 m=10
